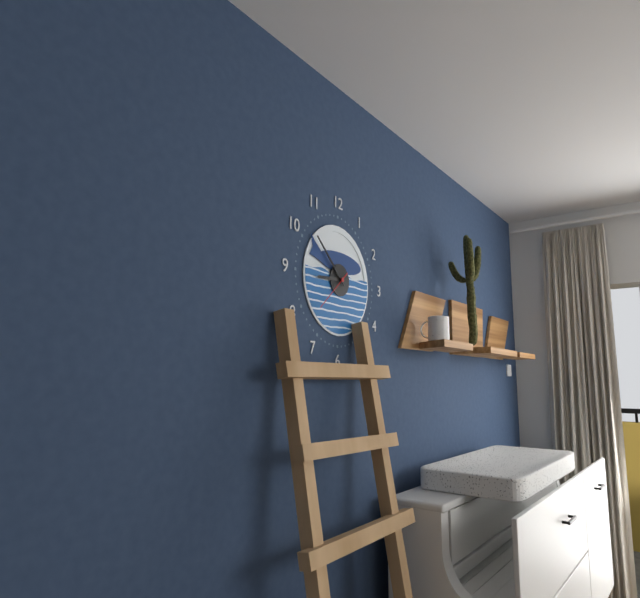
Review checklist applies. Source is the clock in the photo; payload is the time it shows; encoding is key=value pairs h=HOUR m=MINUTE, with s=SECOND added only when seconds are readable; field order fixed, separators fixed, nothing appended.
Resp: h=8 m=52
